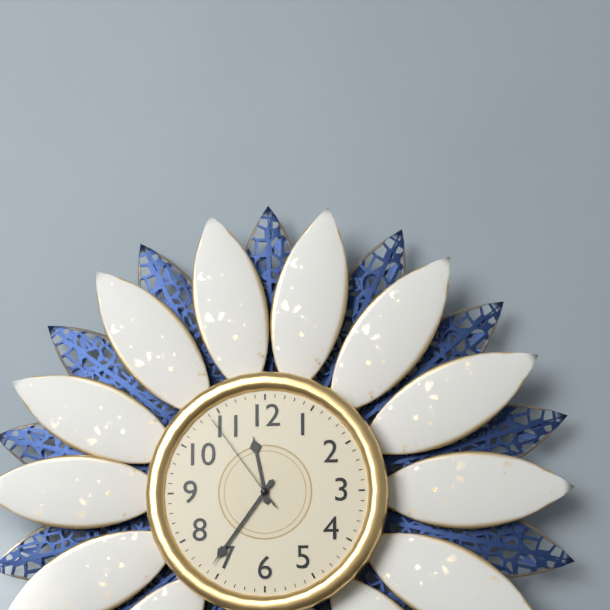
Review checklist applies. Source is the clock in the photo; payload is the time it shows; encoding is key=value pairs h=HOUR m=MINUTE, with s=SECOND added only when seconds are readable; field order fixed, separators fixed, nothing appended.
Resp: h=11 m=36 s=54
